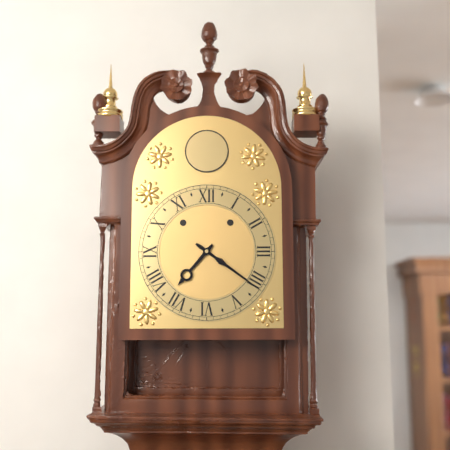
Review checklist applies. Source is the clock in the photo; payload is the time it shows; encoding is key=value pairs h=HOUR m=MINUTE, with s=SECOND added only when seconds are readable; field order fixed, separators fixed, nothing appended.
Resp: h=7 m=21
